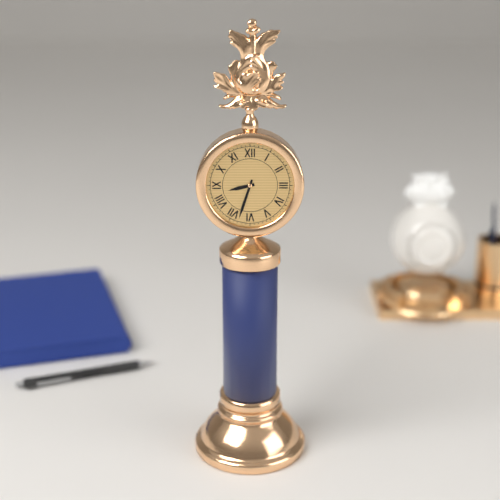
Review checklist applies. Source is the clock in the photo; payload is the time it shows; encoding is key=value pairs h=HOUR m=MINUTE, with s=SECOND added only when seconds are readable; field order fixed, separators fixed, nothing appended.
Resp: h=8 m=33
